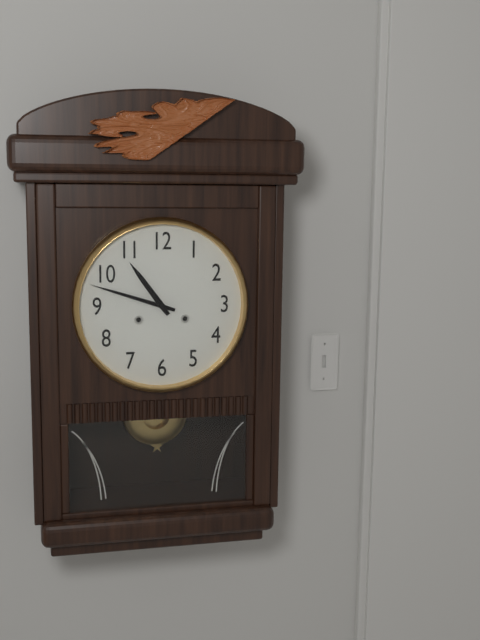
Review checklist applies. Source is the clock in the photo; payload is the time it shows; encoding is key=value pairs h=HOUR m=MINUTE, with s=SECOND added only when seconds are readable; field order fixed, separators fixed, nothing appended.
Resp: h=10 m=48
